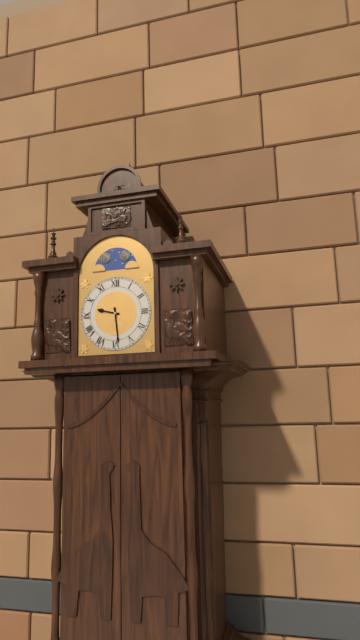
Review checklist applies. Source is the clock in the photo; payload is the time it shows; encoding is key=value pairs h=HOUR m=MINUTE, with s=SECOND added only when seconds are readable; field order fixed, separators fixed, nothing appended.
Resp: h=9 m=29
